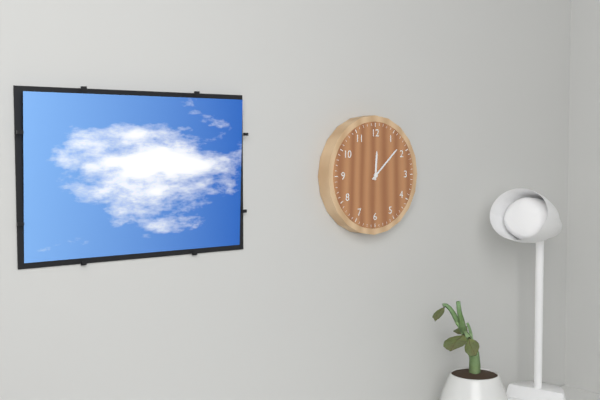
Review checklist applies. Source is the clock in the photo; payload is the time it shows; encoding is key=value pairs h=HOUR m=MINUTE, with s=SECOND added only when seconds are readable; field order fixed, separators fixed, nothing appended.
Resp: h=12 m=8
